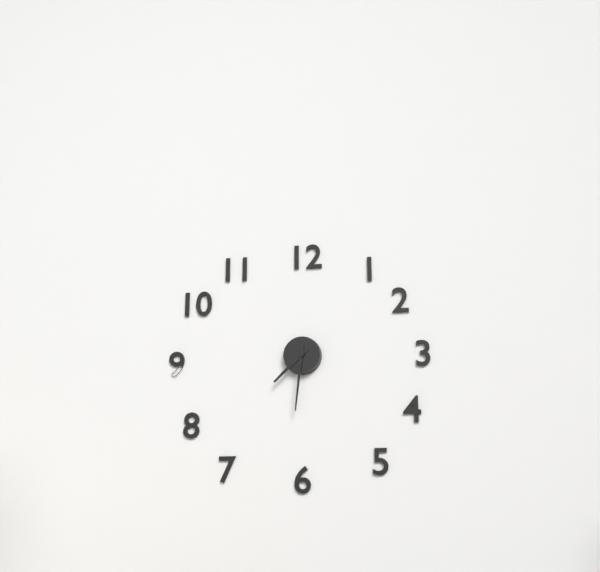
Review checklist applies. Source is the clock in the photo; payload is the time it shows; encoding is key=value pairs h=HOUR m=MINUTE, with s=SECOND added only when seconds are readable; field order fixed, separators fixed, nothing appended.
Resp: h=7 m=31
